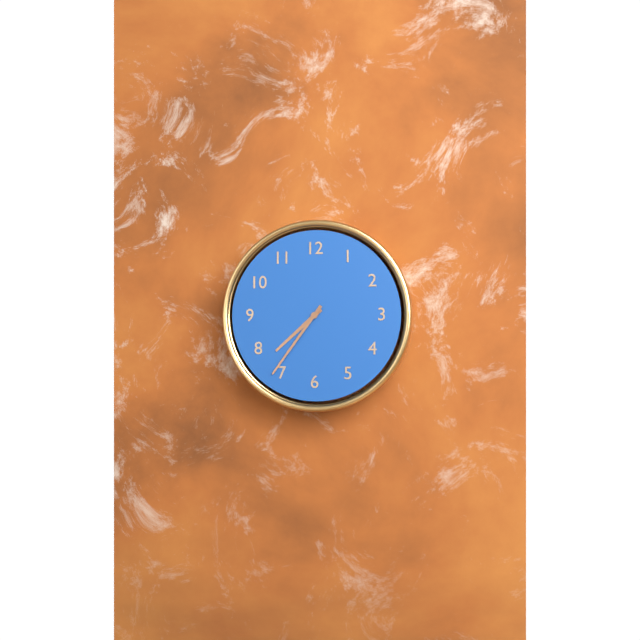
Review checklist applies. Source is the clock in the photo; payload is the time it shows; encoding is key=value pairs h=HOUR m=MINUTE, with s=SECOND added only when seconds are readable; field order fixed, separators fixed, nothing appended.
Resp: h=7 m=36
